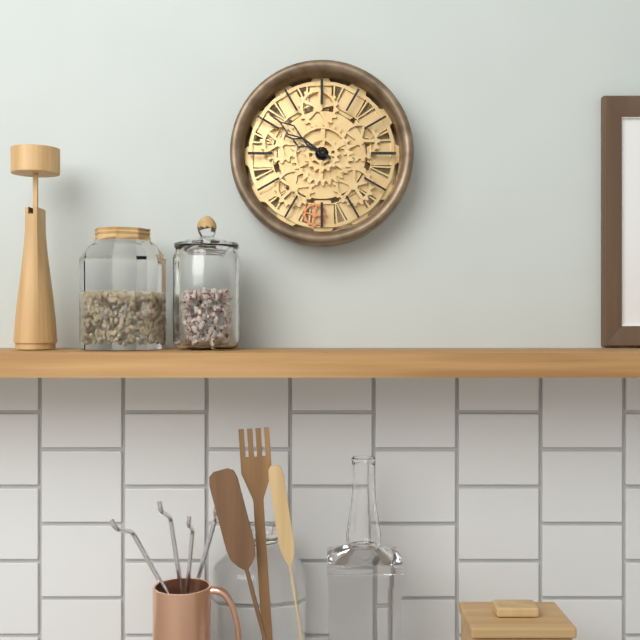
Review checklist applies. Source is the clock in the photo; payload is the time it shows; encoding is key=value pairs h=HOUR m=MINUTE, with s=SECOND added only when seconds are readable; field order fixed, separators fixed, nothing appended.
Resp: h=9 m=51
